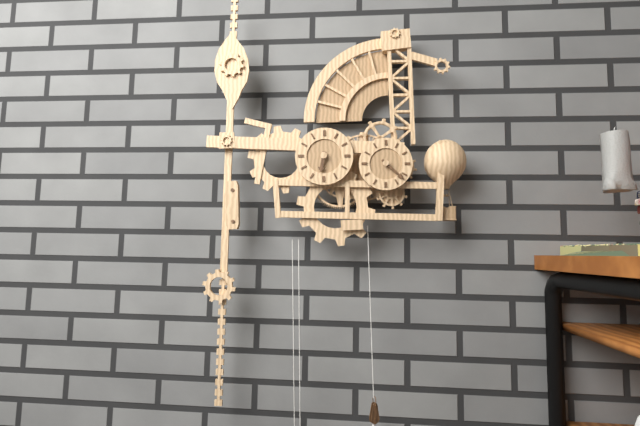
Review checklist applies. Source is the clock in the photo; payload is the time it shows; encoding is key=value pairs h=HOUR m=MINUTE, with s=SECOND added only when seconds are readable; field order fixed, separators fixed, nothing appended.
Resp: h=6 m=22
